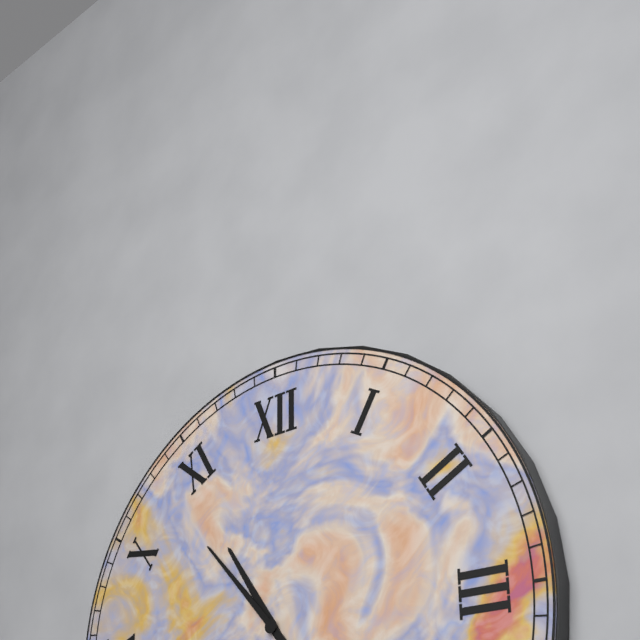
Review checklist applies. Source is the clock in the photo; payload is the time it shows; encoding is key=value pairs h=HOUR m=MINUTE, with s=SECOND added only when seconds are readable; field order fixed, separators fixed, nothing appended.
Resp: h=10 m=53
